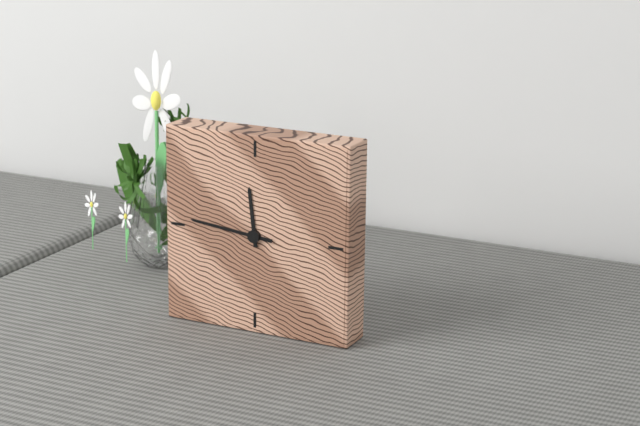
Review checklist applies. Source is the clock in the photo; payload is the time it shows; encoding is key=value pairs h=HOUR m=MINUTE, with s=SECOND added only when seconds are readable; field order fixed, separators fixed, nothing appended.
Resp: h=11 m=46
